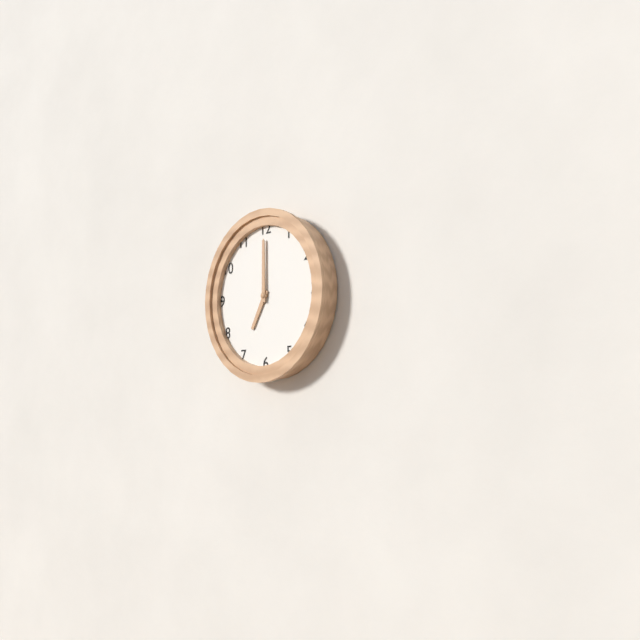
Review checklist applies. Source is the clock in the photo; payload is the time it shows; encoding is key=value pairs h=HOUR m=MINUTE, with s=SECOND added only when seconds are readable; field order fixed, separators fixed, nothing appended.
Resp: h=7 m=0
